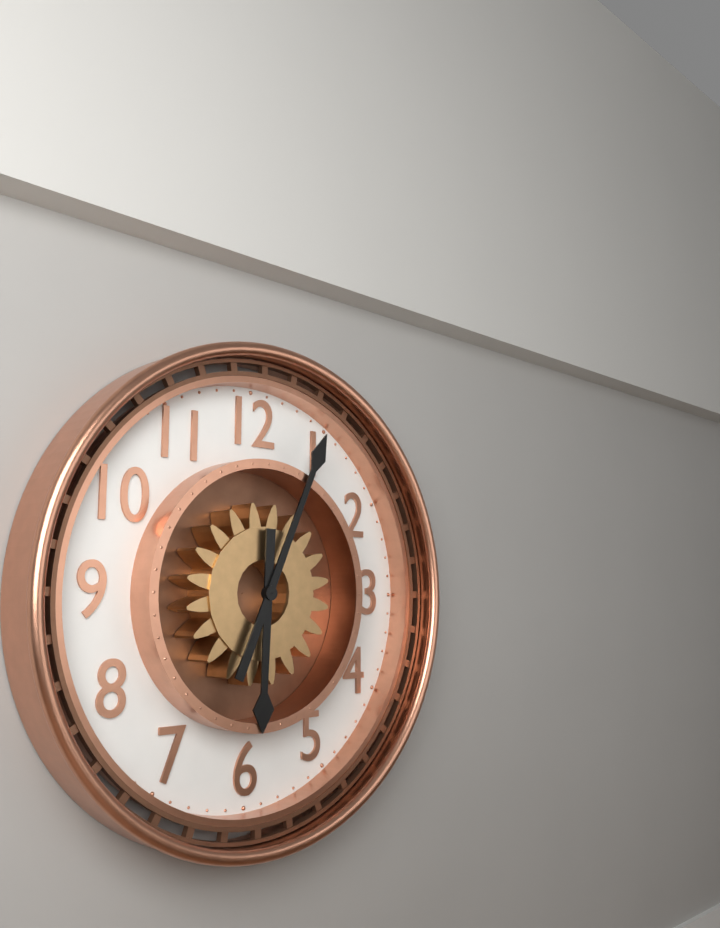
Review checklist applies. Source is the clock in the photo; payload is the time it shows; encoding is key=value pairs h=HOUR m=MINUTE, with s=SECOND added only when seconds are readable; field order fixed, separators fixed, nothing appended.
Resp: h=6 m=4
